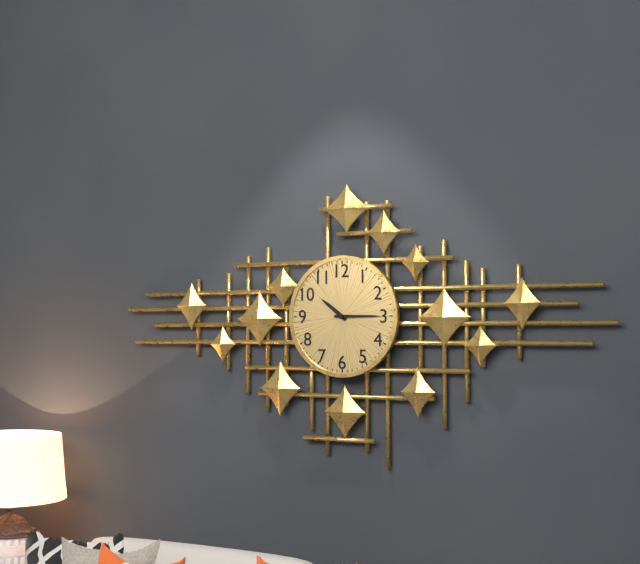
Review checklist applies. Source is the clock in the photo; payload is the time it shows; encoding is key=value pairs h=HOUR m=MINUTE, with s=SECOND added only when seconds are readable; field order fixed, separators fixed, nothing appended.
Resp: h=10 m=15
